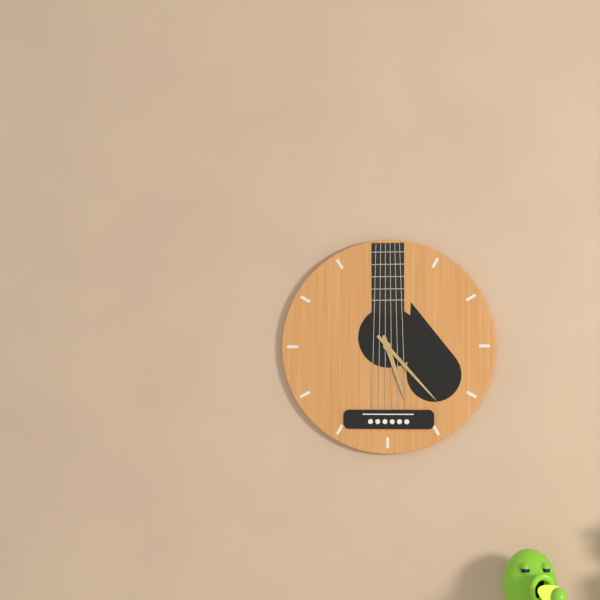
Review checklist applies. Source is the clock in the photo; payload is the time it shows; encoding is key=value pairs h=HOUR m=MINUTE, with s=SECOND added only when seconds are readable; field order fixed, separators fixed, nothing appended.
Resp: h=5 m=23
